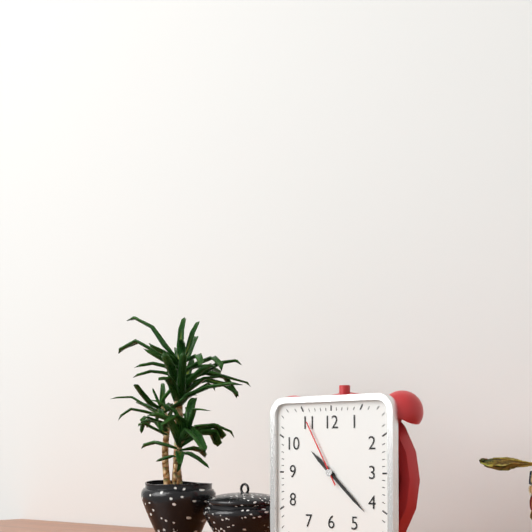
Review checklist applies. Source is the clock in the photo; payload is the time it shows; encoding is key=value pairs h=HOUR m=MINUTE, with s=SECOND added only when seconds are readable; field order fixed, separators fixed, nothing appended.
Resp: h=10 m=22 s=55
